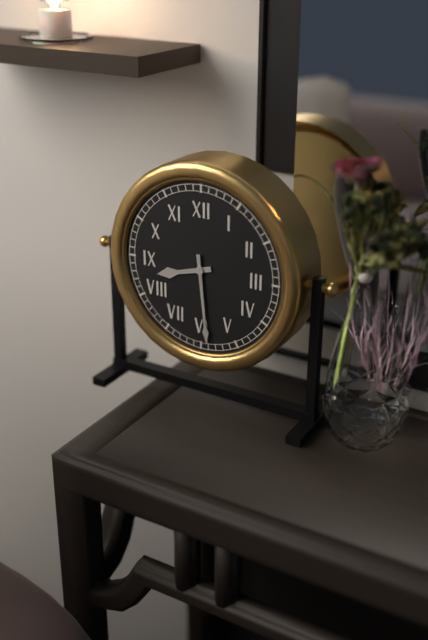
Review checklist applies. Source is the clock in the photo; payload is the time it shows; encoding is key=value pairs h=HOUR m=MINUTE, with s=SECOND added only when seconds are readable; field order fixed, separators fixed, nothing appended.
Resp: h=8 m=29
